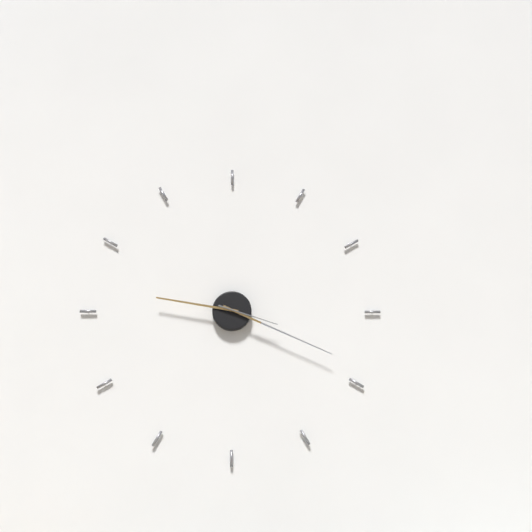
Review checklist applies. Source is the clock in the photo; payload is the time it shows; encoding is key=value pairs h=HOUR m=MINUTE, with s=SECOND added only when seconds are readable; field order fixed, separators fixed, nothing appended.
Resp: h=9 m=19 s=18
